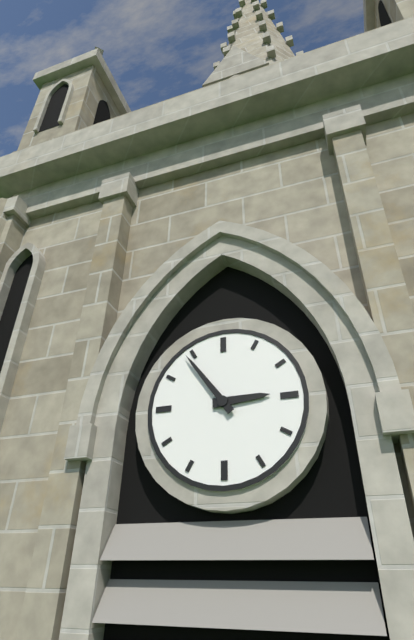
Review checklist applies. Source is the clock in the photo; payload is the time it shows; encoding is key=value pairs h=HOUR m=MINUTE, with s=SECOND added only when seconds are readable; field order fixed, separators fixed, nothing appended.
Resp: h=2 m=54
